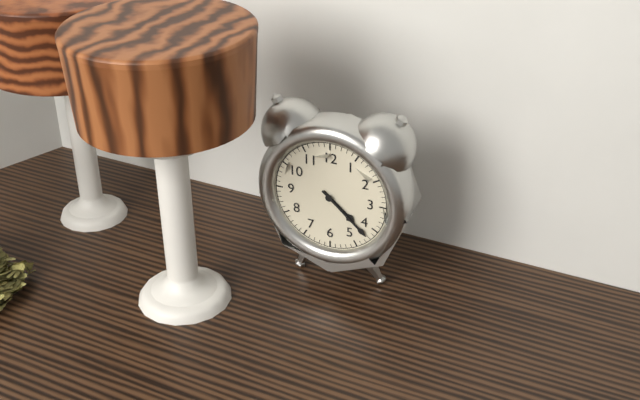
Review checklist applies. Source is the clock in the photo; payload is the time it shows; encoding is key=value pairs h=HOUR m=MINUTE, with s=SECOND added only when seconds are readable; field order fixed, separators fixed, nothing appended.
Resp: h=4 m=22
